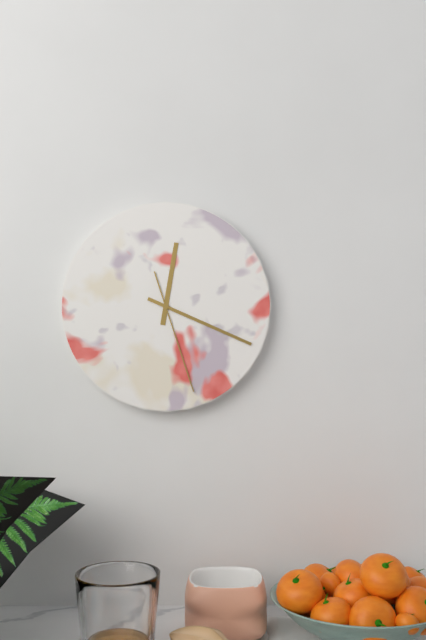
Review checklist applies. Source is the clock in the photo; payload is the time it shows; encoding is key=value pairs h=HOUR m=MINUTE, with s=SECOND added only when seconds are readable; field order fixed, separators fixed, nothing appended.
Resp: h=12 m=19 s=27
